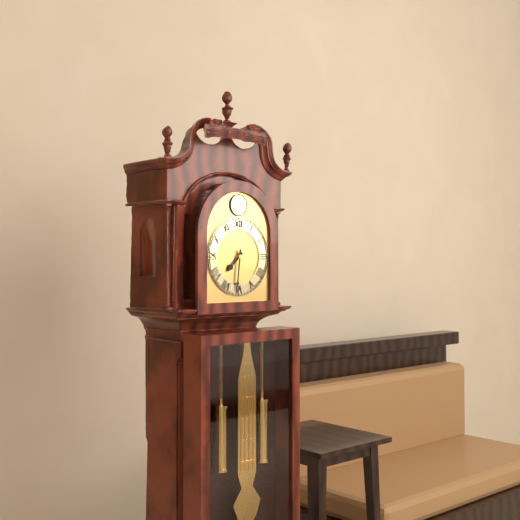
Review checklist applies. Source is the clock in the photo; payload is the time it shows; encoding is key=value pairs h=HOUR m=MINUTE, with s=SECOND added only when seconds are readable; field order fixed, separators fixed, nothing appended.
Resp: h=7 m=31
